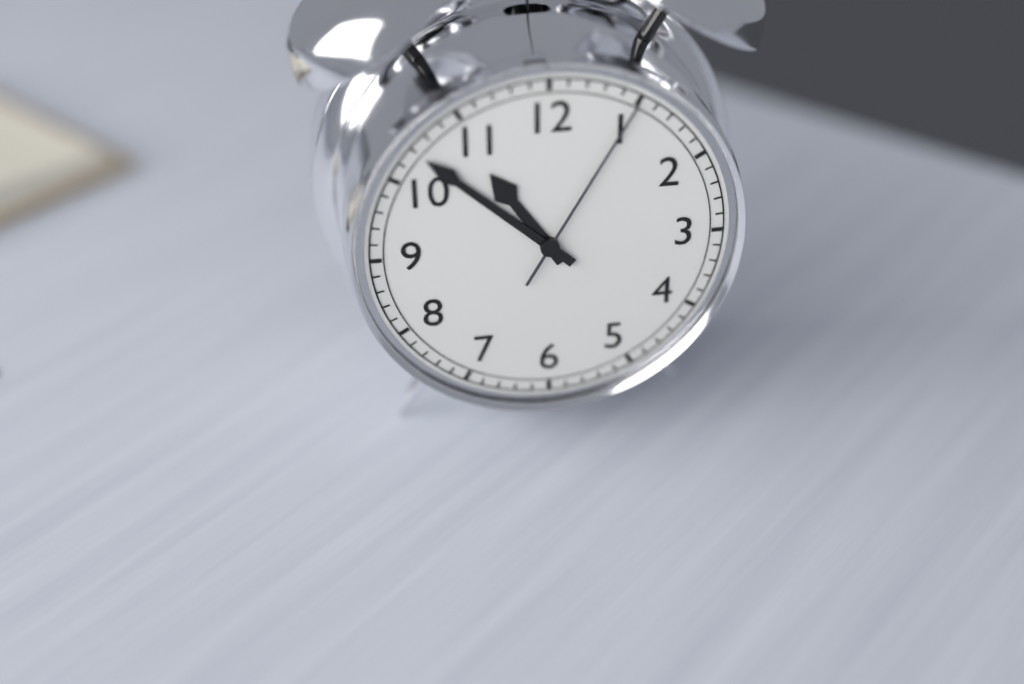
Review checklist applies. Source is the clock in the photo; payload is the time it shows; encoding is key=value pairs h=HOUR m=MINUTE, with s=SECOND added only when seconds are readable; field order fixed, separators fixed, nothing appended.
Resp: h=10 m=52 s=5
